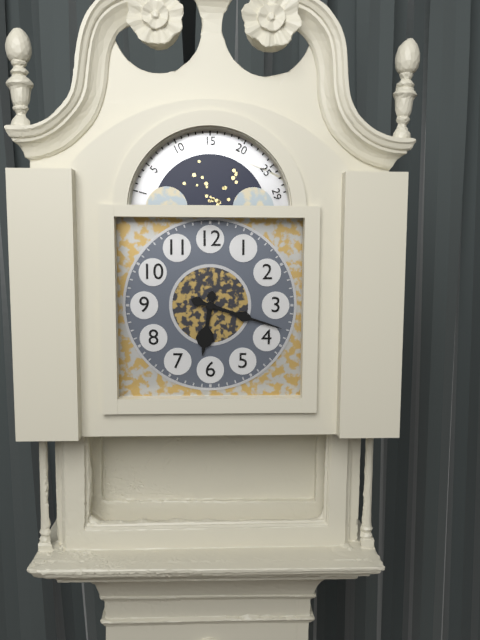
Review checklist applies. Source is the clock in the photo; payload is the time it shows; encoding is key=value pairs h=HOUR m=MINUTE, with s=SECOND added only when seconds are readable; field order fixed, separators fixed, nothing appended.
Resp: h=6 m=18
